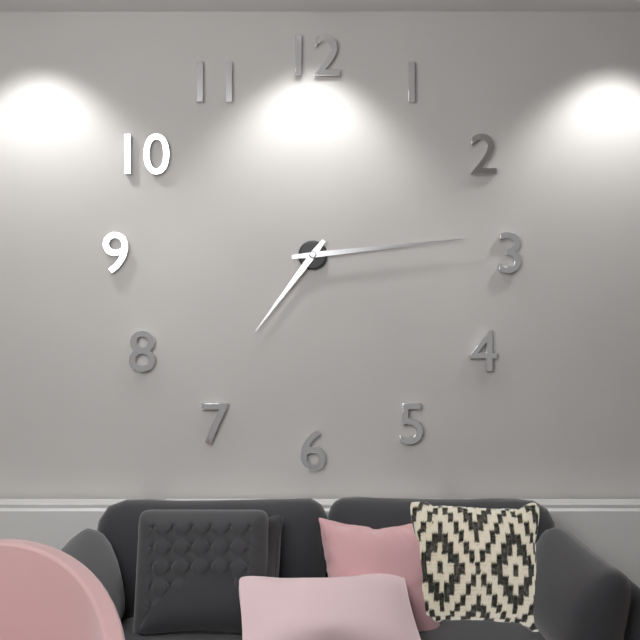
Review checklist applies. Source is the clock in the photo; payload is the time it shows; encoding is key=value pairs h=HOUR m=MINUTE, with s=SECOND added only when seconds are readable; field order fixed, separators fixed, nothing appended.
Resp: h=7 m=14
